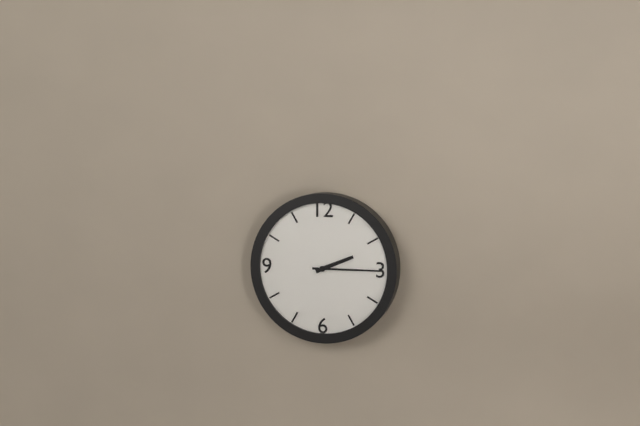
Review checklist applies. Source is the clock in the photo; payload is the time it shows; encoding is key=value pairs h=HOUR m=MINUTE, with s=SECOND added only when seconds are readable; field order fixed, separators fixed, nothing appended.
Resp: h=2 m=15
